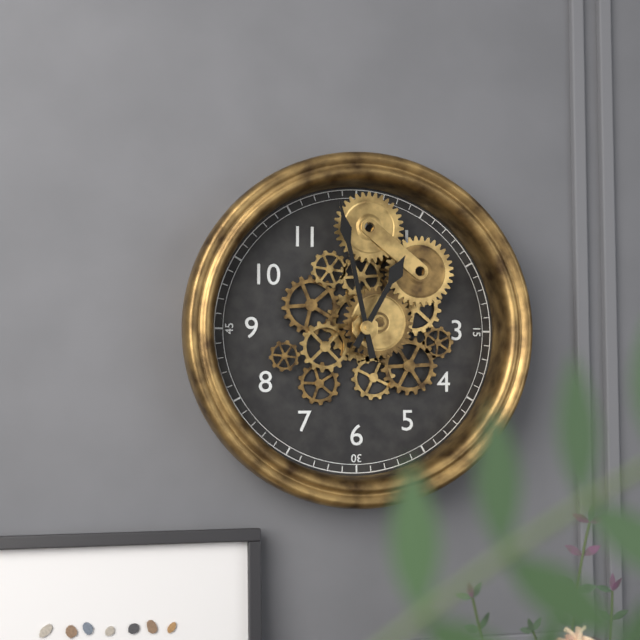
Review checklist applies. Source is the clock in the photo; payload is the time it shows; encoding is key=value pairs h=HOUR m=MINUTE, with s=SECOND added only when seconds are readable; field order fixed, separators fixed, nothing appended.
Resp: h=12 m=58
